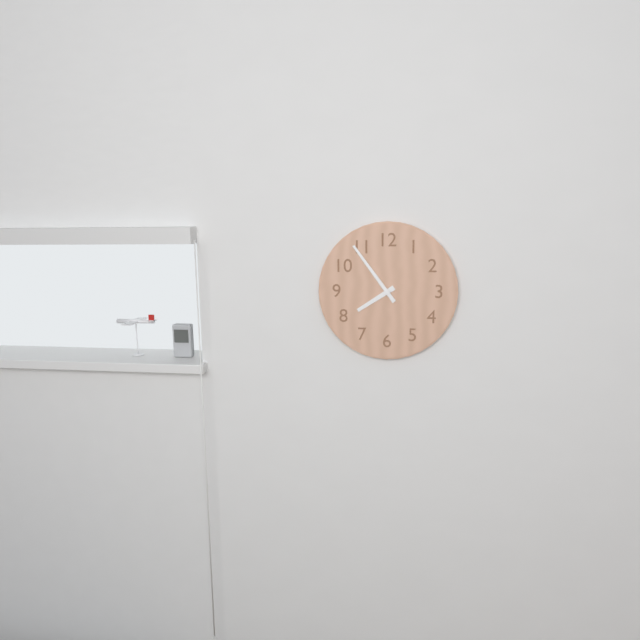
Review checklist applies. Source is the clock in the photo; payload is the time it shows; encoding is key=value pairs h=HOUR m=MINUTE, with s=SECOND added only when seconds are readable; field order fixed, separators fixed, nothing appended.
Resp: h=7 m=54
